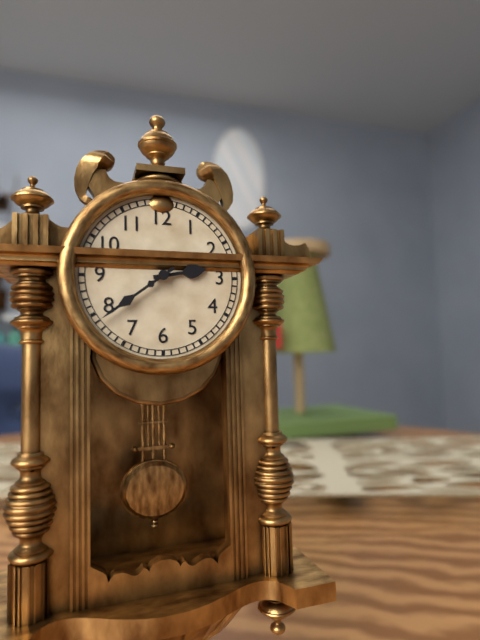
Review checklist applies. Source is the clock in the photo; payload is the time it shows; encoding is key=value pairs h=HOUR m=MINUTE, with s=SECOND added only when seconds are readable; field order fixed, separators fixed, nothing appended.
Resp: h=2 m=39
